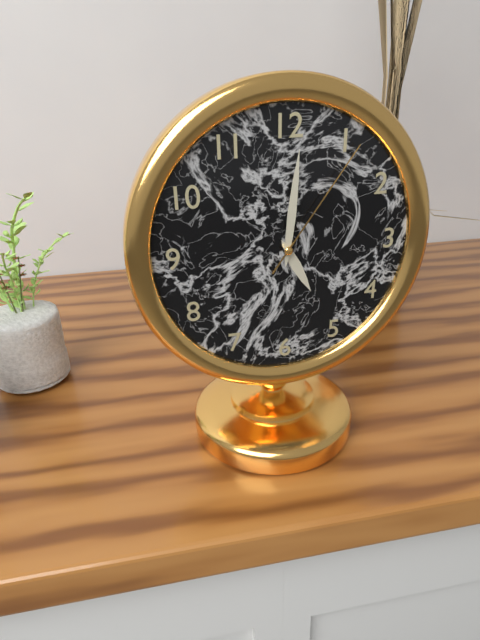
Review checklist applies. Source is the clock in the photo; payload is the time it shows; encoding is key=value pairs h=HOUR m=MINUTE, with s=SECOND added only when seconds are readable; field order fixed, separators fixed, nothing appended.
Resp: h=5 m=1 s=6
